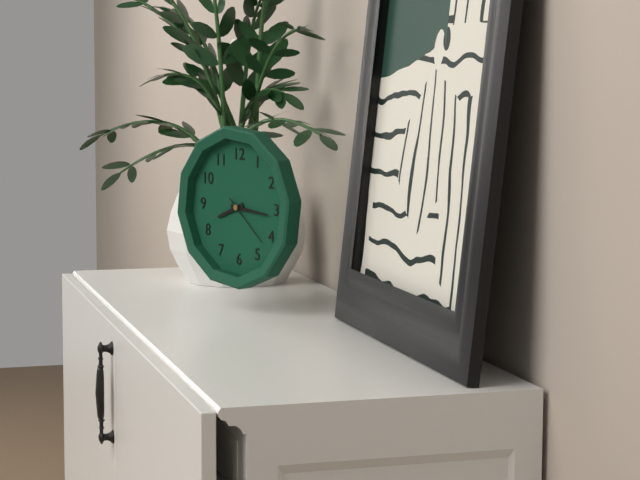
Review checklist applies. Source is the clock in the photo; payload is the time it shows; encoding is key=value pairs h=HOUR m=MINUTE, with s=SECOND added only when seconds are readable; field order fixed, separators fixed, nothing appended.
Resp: h=8 m=16 s=22
